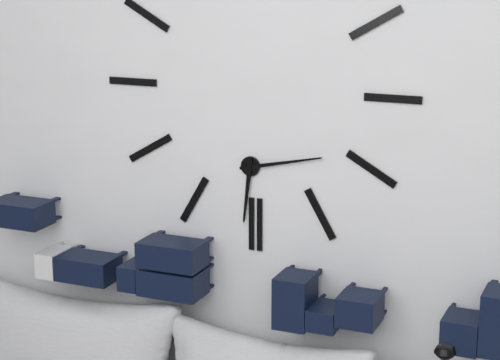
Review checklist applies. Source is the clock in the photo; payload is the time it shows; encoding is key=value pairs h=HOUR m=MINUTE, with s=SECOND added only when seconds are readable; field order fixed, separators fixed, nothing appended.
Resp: h=6 m=13
